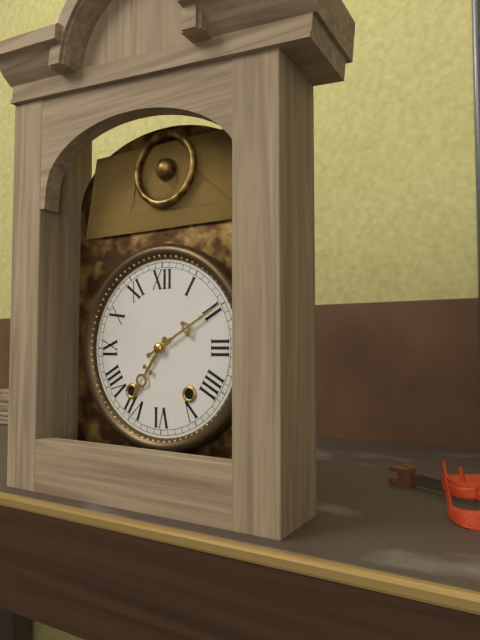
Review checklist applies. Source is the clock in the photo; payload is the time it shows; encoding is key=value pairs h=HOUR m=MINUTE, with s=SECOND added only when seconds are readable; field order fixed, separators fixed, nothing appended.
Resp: h=7 m=10
